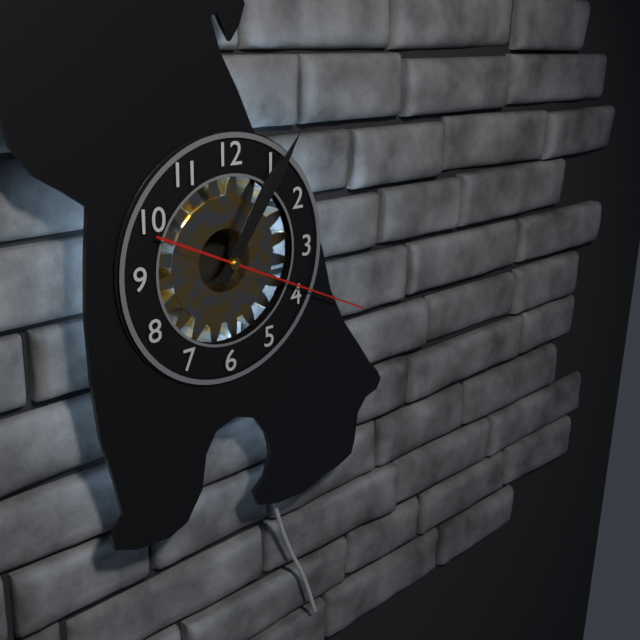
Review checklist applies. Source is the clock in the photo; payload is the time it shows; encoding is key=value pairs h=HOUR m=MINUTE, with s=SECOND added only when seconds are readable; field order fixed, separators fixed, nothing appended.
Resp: h=1 m=6 s=19
